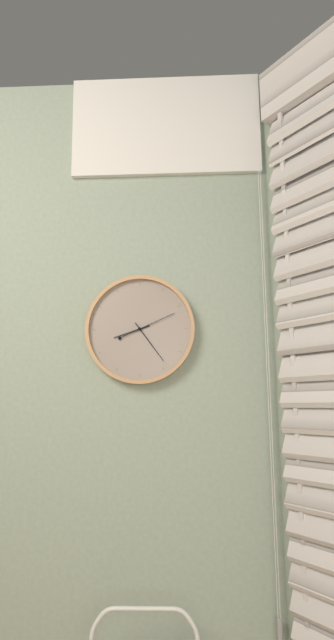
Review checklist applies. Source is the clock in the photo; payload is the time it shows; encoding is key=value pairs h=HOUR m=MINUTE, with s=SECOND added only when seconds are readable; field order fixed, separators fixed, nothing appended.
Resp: h=8 m=24
